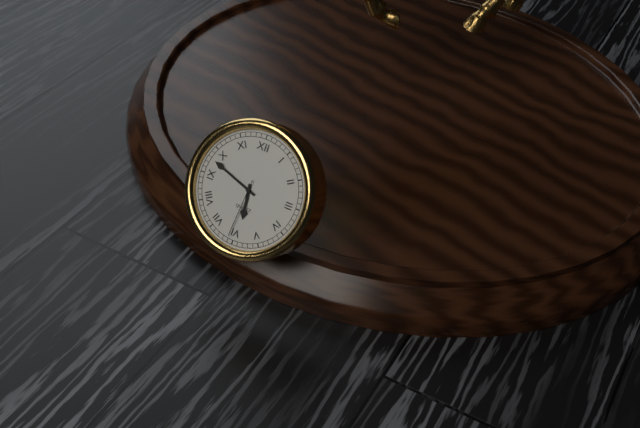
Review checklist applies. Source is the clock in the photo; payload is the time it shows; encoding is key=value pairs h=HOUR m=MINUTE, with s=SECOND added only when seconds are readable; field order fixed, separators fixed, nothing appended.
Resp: h=5 m=48 s=31
